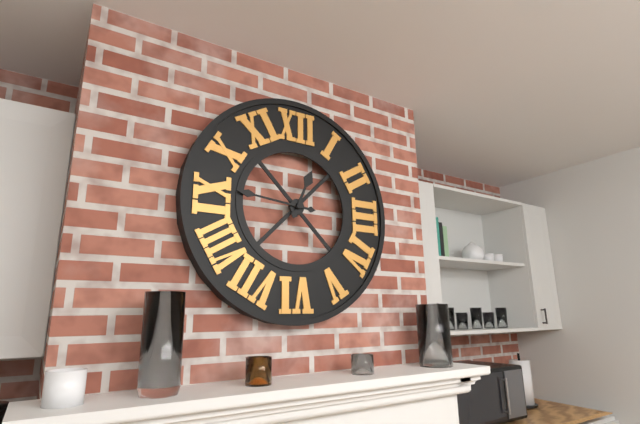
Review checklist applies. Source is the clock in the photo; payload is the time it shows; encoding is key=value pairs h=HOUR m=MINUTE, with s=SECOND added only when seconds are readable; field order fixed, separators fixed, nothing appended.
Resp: h=12 m=46
